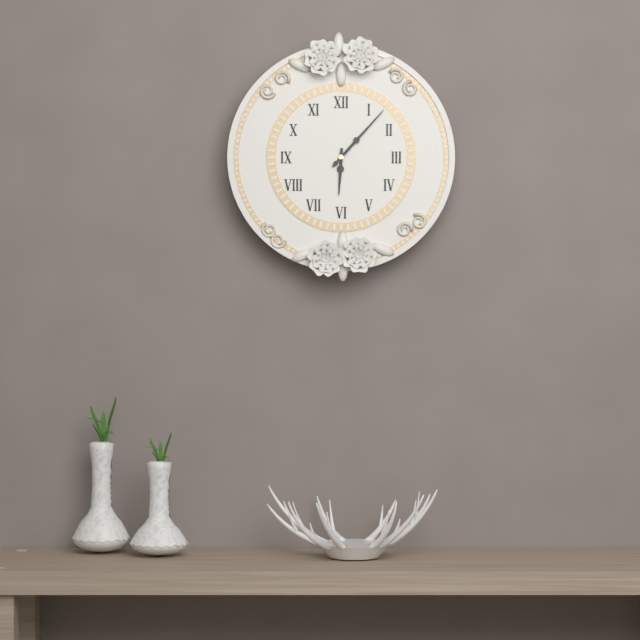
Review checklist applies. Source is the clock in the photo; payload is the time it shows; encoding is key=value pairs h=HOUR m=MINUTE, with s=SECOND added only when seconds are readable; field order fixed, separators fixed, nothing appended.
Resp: h=6 m=7
